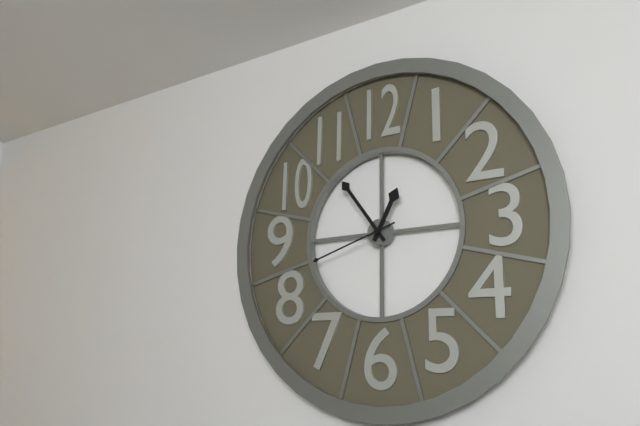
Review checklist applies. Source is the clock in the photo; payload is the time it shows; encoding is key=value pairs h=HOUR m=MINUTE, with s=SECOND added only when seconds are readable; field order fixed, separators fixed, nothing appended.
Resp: h=12 m=54 s=42
